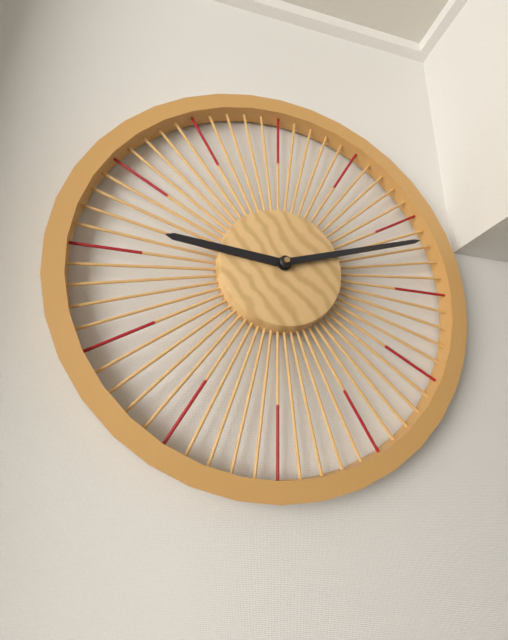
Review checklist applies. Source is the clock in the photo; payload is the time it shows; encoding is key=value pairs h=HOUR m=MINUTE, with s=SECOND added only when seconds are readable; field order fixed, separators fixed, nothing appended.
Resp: h=9 m=12
